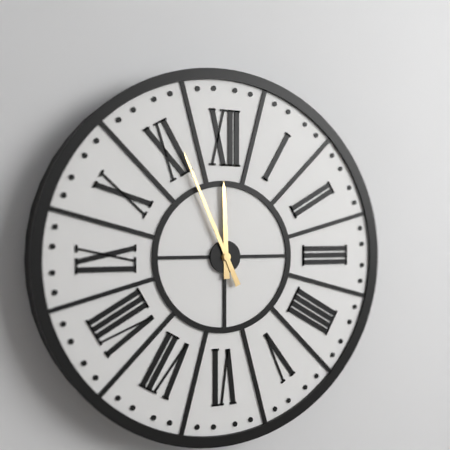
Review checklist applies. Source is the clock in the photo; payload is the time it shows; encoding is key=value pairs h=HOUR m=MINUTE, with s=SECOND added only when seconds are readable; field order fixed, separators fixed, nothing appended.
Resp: h=11 m=56
